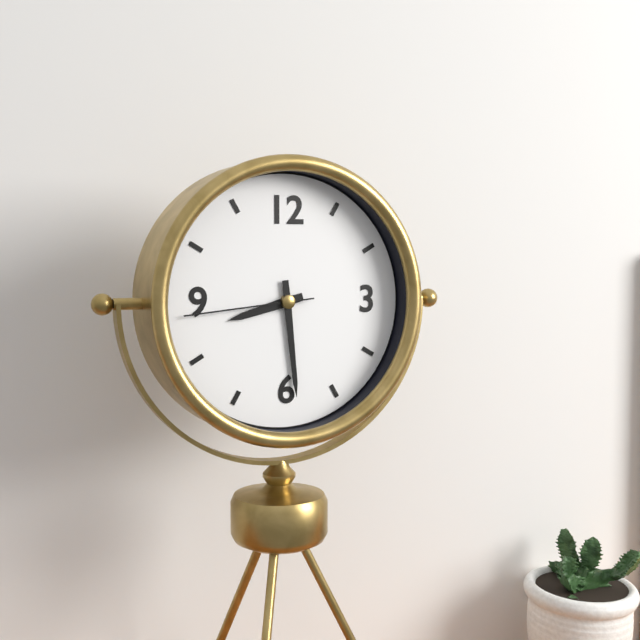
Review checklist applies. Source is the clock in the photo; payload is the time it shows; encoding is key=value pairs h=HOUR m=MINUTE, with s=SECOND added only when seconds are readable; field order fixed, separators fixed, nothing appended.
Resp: h=8 m=29 s=44
